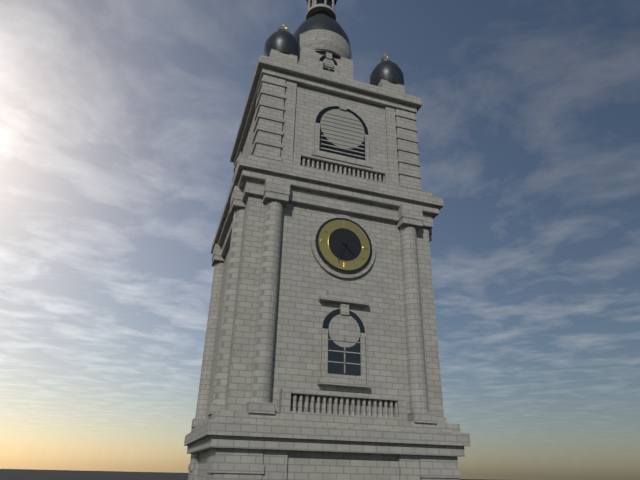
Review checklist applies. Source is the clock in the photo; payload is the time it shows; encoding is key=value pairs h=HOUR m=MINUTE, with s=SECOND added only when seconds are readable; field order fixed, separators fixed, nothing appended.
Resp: h=4 m=33
